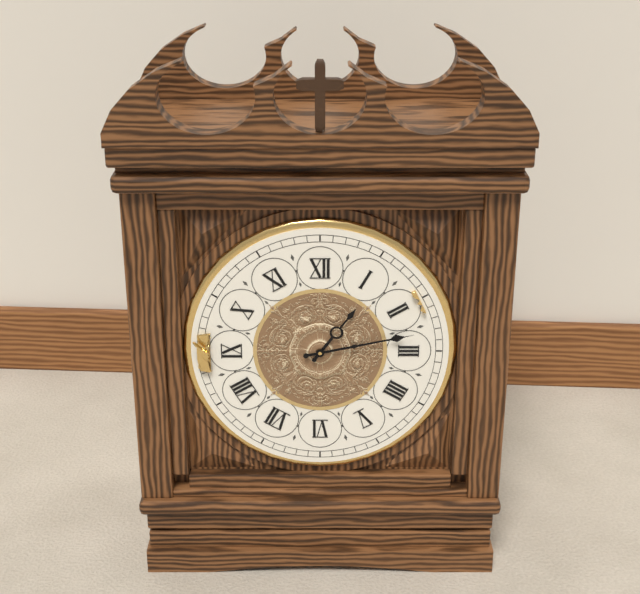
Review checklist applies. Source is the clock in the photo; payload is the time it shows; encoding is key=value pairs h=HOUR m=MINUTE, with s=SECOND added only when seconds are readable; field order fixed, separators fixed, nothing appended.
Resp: h=1 m=13
